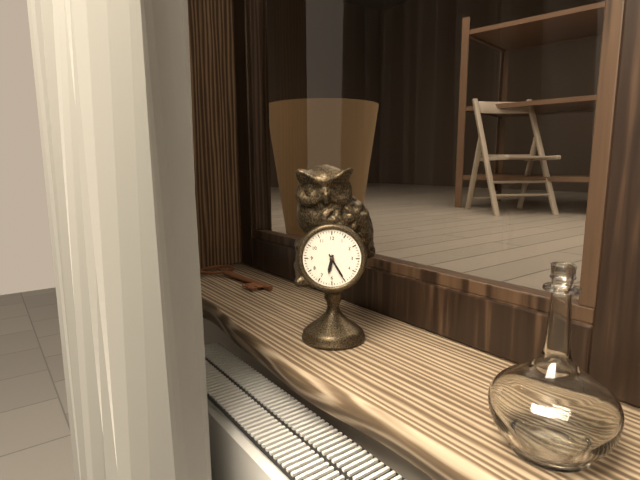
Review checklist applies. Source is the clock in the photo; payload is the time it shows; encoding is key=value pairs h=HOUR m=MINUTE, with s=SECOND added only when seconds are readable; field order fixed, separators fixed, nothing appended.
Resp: h=6 m=25
